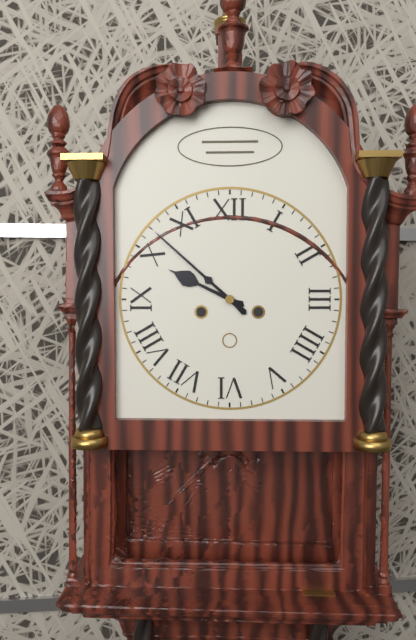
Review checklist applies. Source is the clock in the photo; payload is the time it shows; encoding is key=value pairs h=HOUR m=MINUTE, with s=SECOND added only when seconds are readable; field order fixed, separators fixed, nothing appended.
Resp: h=9 m=52
